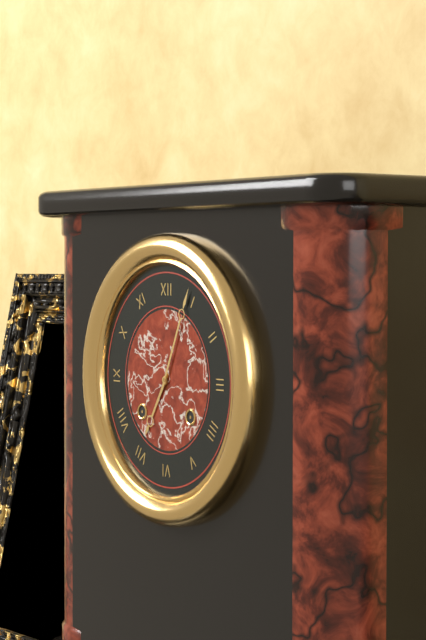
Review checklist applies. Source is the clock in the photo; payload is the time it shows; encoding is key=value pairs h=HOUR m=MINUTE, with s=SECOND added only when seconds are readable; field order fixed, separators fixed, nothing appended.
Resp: h=7 m=4
